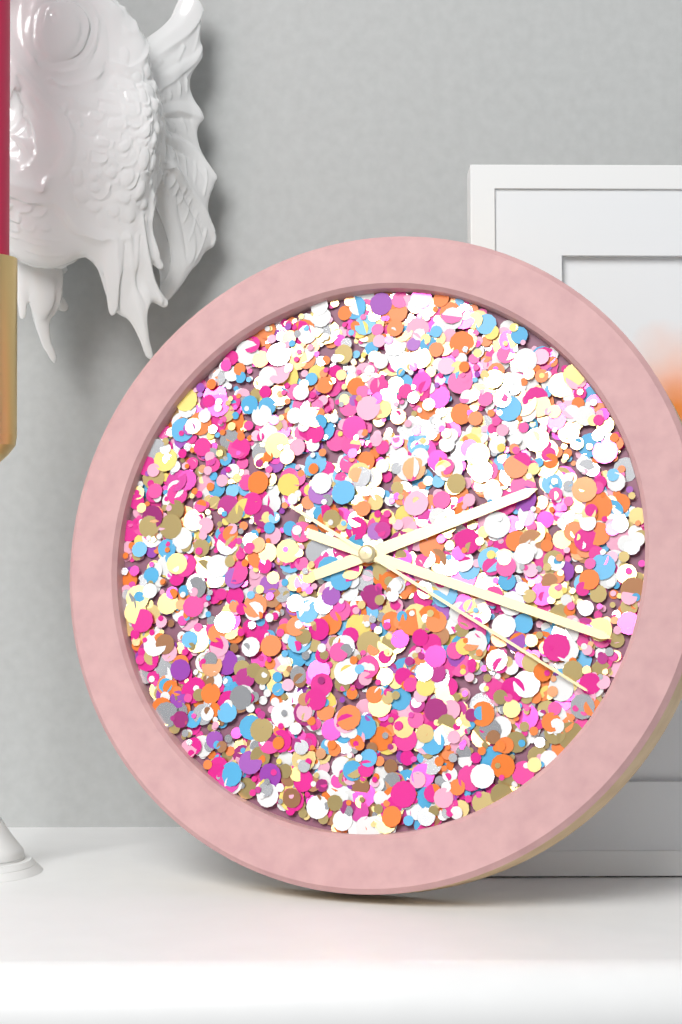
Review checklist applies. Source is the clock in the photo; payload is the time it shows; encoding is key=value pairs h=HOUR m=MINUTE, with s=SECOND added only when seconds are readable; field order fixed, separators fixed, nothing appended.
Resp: h=2 m=18 s=20
